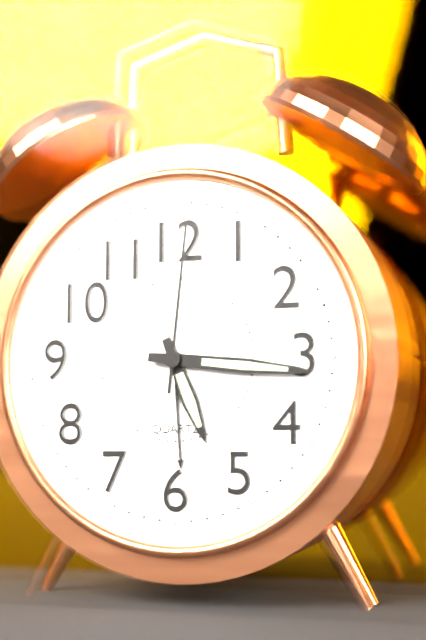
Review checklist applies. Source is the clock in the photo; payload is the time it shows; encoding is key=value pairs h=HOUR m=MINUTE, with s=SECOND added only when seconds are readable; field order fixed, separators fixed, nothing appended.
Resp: h=5 m=16 s=1
